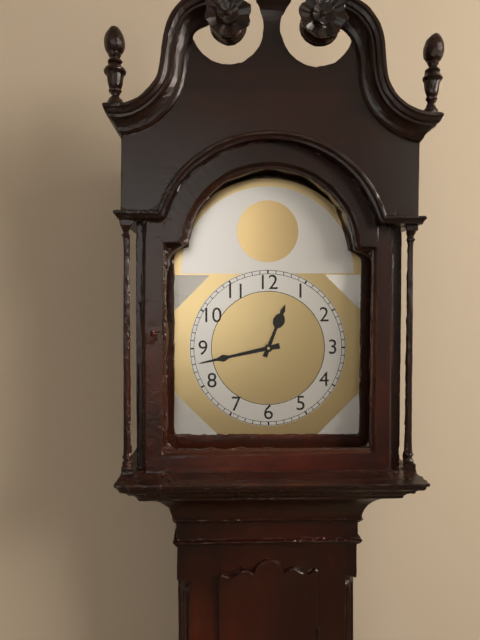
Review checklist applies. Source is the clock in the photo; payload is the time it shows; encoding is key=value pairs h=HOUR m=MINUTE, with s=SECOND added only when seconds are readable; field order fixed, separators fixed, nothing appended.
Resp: h=12 m=43
